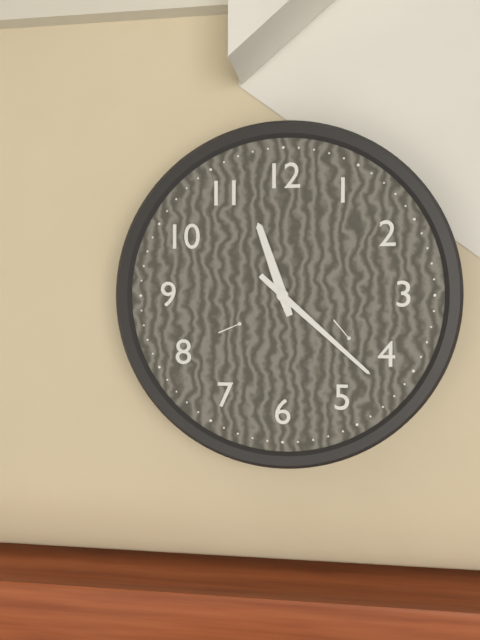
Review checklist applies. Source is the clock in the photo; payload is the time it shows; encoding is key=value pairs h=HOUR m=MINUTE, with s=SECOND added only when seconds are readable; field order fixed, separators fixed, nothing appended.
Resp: h=11 m=22
